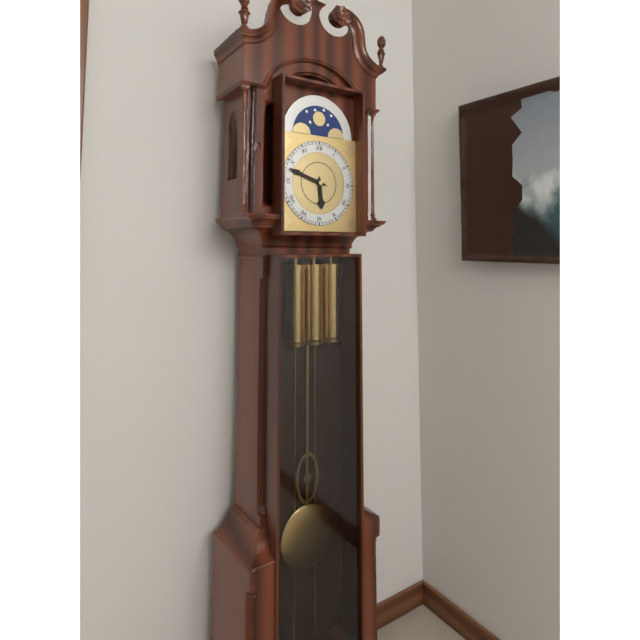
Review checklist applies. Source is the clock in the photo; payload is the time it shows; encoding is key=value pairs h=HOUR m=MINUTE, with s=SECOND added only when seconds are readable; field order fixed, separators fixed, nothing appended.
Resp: h=5 m=48
